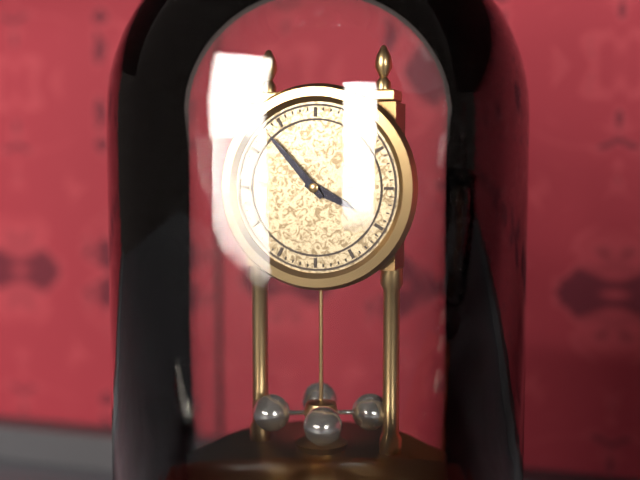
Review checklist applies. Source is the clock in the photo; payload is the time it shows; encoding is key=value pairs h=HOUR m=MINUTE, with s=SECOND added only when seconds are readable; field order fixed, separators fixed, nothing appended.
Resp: h=3 m=53
